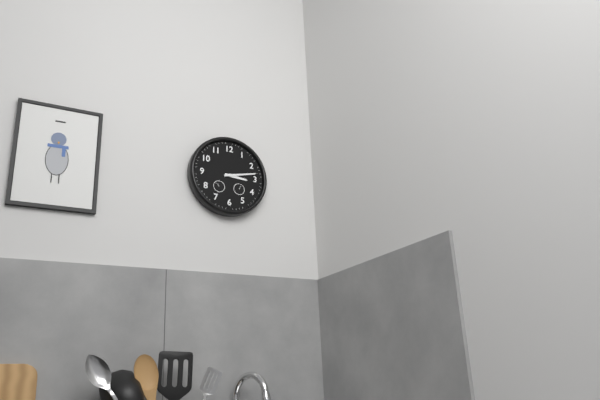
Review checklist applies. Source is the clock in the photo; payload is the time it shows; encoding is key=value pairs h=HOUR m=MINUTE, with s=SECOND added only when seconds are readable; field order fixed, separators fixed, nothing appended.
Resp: h=3 m=13
